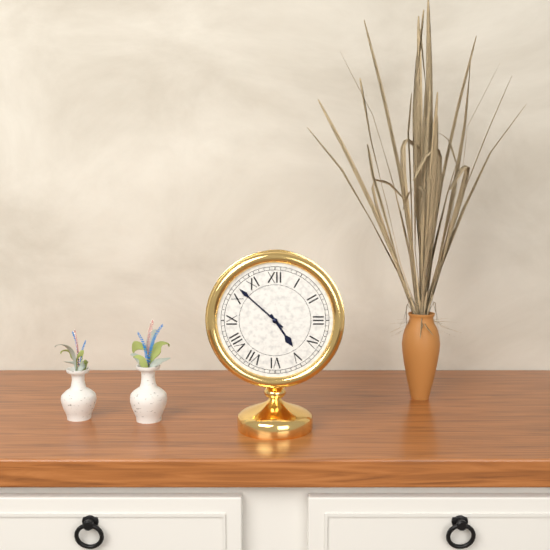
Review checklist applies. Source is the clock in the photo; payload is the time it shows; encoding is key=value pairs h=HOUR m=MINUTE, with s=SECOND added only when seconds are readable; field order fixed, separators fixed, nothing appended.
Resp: h=4 m=52
